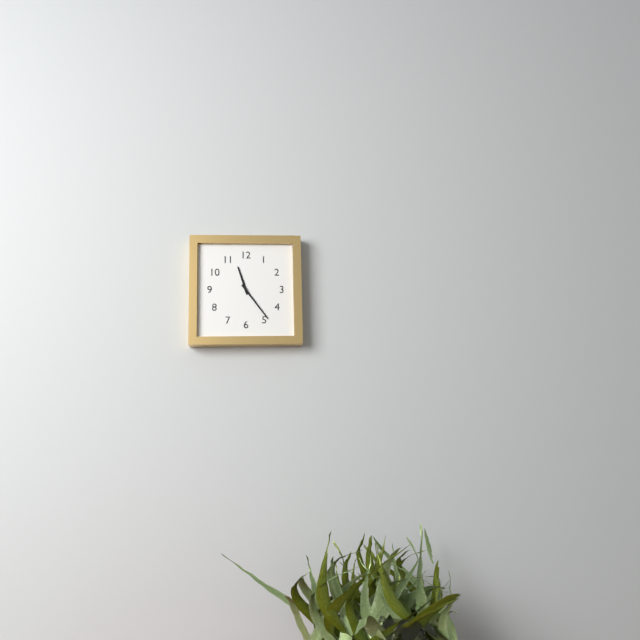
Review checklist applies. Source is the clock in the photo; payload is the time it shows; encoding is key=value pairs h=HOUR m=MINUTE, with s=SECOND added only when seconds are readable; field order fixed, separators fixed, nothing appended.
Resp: h=11 m=24
